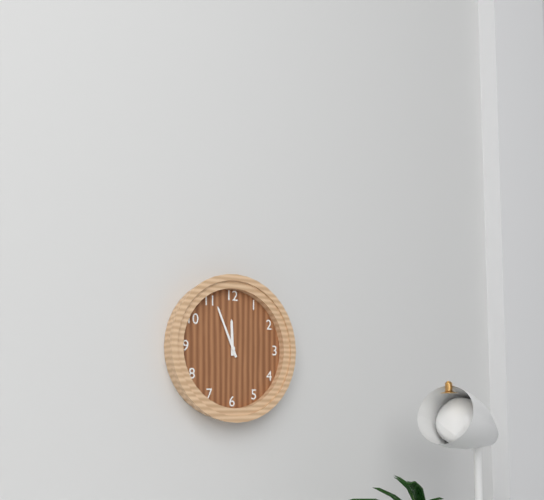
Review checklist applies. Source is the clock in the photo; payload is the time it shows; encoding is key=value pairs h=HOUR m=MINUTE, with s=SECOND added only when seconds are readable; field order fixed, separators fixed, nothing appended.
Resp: h=11 m=56
